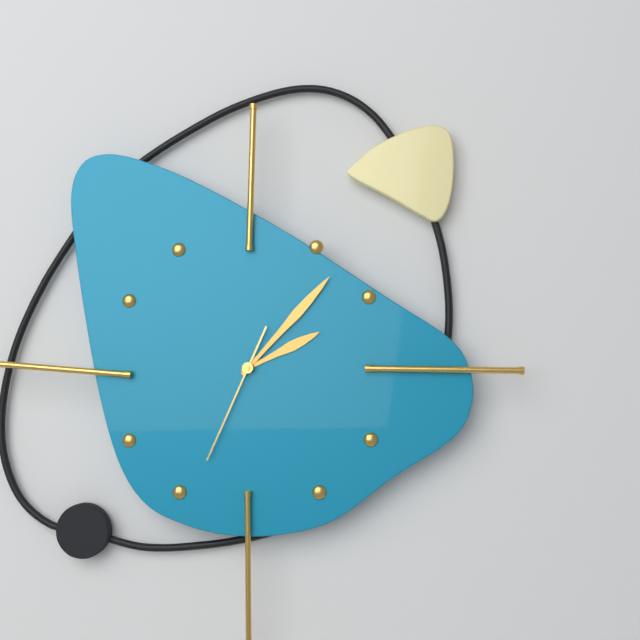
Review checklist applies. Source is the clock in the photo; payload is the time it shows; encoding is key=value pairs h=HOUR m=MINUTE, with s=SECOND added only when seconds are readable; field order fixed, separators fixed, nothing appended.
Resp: h=2 m=7 s=34
